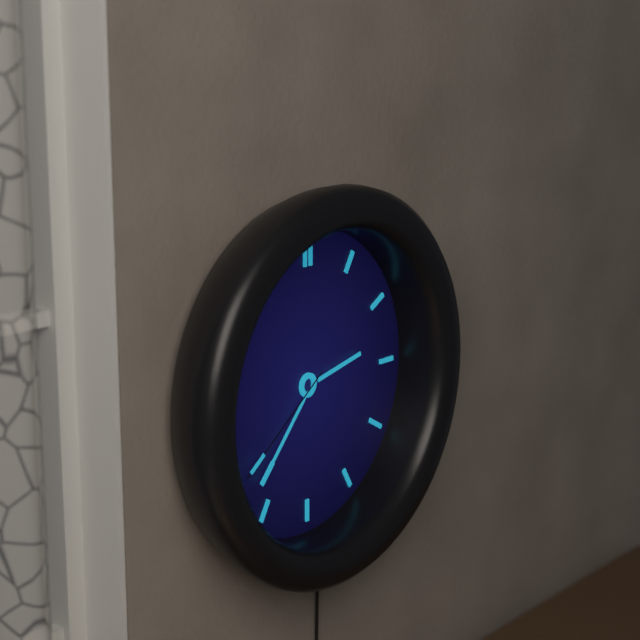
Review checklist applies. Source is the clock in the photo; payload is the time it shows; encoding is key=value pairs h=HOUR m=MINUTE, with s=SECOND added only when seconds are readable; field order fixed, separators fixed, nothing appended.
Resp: h=2 m=37 s=39
